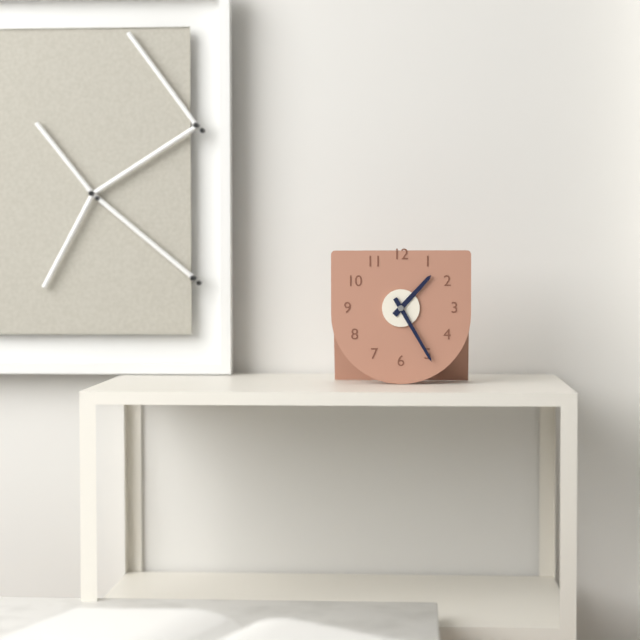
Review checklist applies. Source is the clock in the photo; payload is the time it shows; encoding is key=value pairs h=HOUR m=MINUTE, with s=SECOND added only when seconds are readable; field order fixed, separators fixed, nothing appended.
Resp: h=1 m=25
